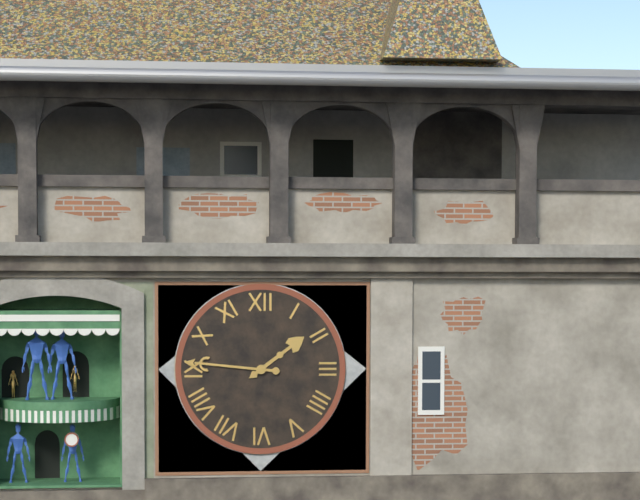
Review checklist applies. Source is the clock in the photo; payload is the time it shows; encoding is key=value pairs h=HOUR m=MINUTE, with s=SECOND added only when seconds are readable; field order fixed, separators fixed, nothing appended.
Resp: h=1 m=46
